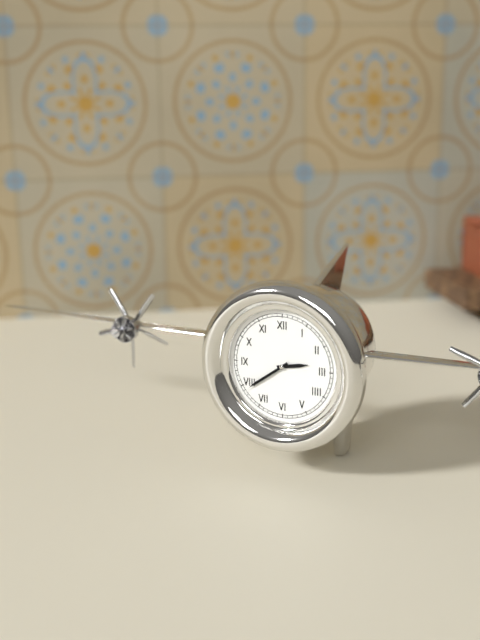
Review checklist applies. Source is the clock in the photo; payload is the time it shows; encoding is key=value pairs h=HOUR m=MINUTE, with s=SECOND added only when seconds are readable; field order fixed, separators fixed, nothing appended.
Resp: h=2 m=39
